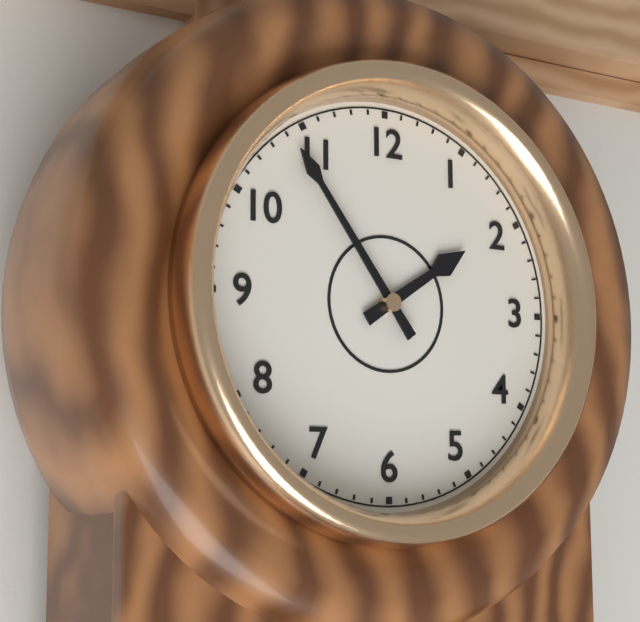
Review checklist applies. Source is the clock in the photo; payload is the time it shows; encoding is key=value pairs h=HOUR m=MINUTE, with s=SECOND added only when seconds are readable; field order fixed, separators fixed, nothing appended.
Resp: h=1 m=54
